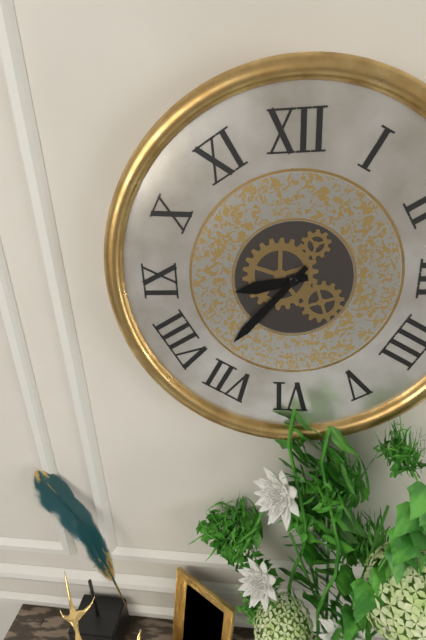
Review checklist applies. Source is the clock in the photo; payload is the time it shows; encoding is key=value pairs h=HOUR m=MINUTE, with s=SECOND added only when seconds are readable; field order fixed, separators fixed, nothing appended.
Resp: h=8 m=37
